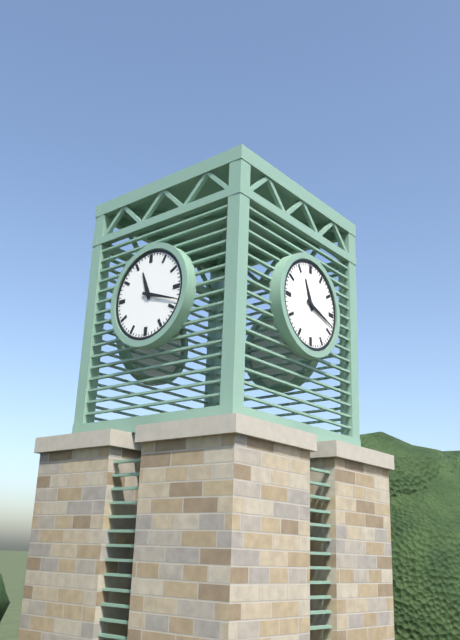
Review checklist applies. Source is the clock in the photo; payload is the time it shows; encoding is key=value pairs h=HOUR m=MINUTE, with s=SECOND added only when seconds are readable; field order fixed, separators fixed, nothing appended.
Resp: h=11 m=18
